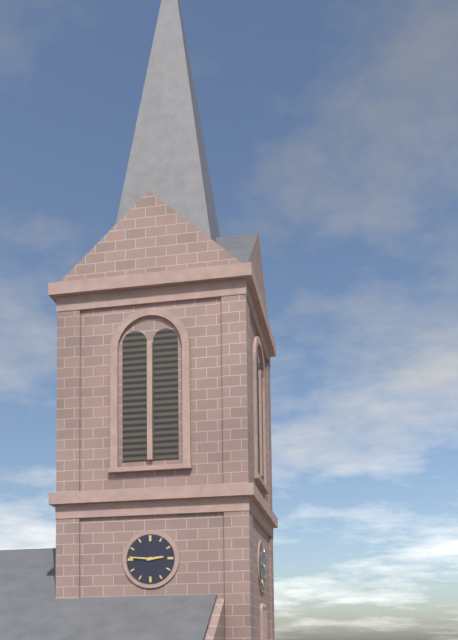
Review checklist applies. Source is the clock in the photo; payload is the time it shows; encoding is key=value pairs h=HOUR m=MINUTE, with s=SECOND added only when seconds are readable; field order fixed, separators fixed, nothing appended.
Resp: h=2 m=46
